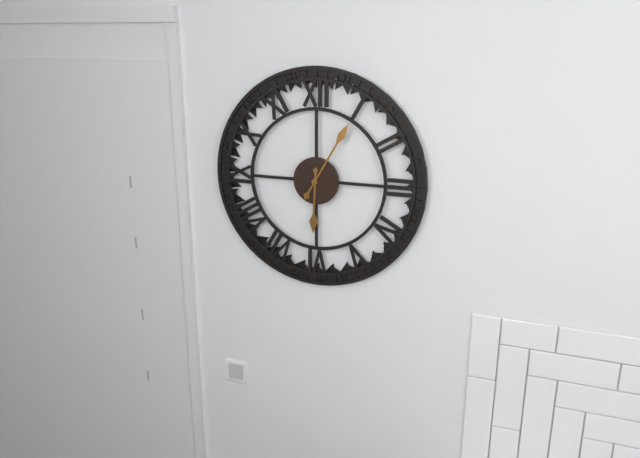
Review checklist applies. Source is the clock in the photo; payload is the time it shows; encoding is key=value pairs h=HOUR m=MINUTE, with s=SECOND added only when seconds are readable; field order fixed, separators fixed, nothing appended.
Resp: h=6 m=5
